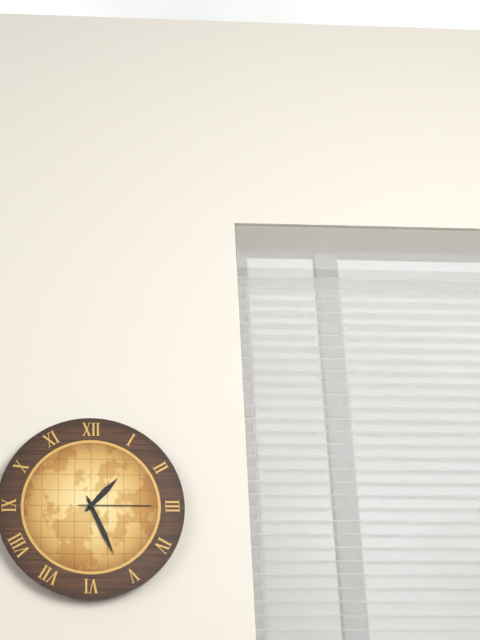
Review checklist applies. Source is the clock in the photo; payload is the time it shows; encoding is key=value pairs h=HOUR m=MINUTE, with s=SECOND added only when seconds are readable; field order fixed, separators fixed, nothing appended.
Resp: h=1 m=26 s=15
